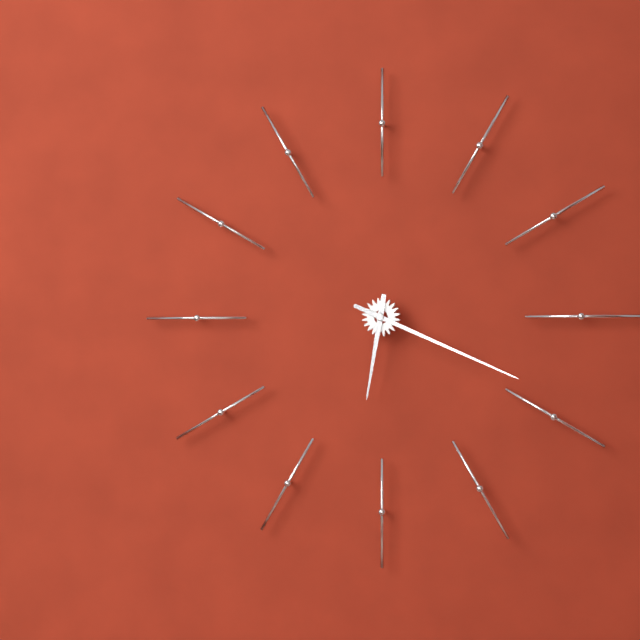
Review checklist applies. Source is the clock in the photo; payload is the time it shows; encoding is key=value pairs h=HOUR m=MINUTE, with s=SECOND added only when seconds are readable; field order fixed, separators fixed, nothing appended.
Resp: h=6 m=19
